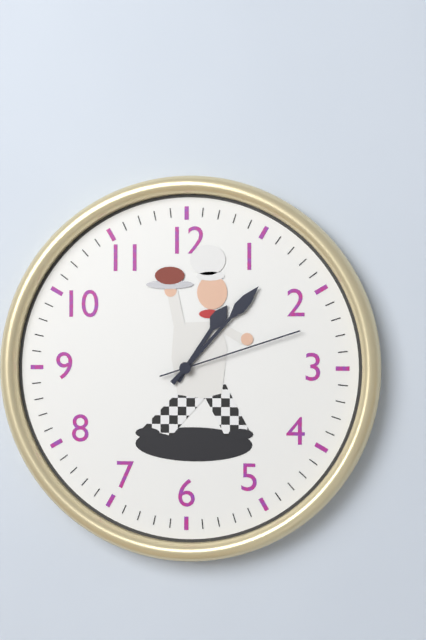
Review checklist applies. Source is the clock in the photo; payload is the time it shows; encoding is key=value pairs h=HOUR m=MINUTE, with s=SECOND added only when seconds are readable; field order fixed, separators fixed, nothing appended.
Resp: h=1 m=7 s=12
